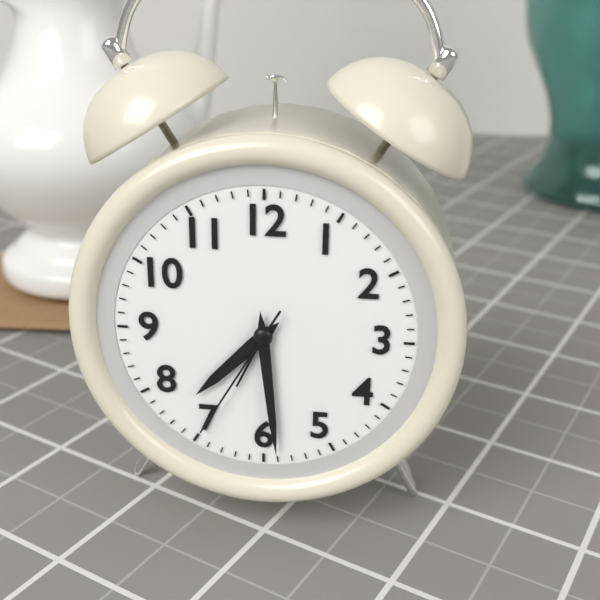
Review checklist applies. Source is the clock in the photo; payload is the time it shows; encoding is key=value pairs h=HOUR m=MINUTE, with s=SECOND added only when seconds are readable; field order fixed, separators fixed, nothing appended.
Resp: h=7 m=29 s=35
